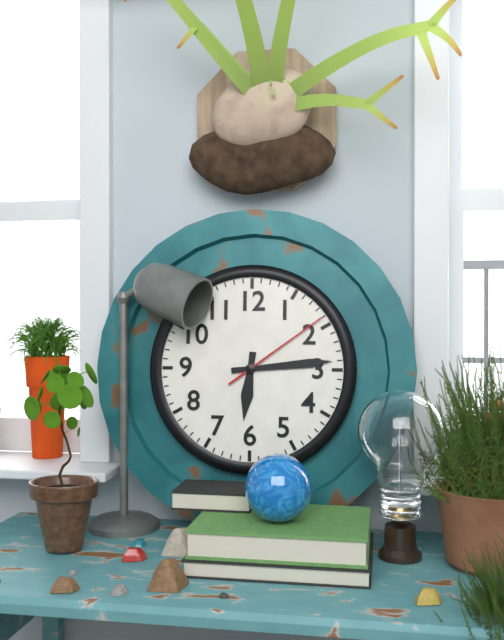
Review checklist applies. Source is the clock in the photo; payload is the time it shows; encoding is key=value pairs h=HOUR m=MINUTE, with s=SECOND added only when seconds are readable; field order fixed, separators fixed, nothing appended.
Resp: h=6 m=14 s=9
